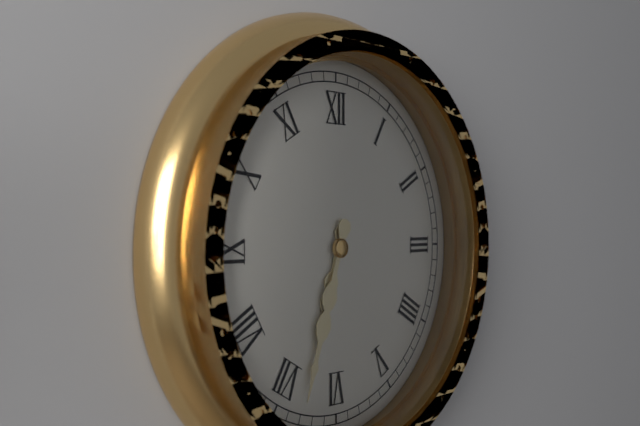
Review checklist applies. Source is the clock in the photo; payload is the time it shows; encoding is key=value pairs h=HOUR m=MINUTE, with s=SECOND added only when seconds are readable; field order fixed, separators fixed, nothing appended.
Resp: h=6 m=33
